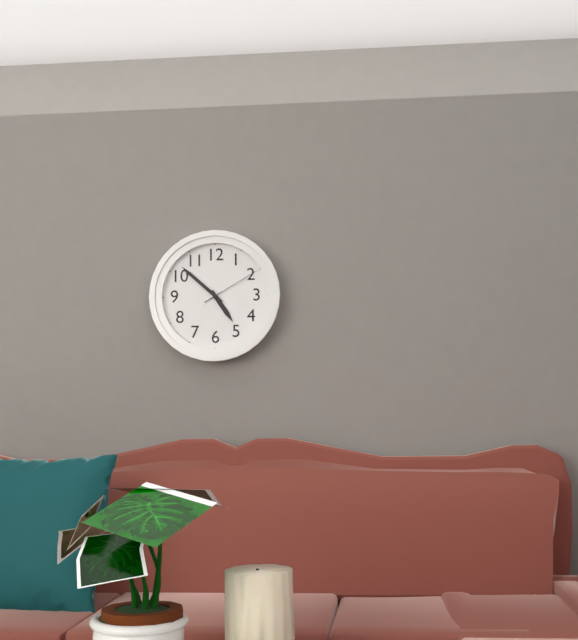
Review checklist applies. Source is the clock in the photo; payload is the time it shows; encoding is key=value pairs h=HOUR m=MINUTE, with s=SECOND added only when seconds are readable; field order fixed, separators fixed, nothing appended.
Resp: h=4 m=52 s=10
